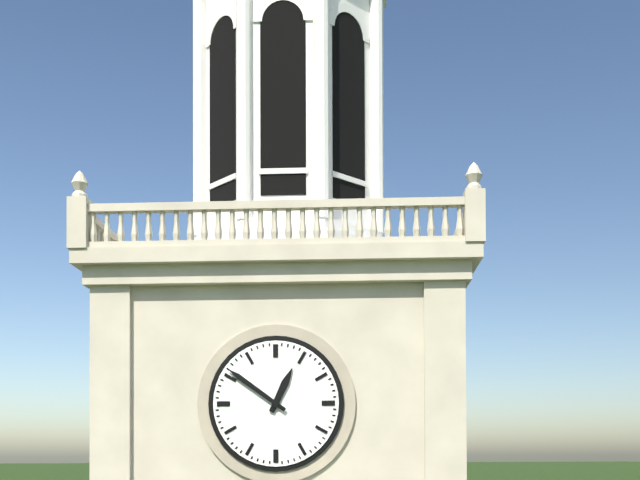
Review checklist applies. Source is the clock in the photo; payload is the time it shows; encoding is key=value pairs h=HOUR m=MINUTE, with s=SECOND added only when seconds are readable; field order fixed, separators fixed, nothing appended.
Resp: h=12 m=51
